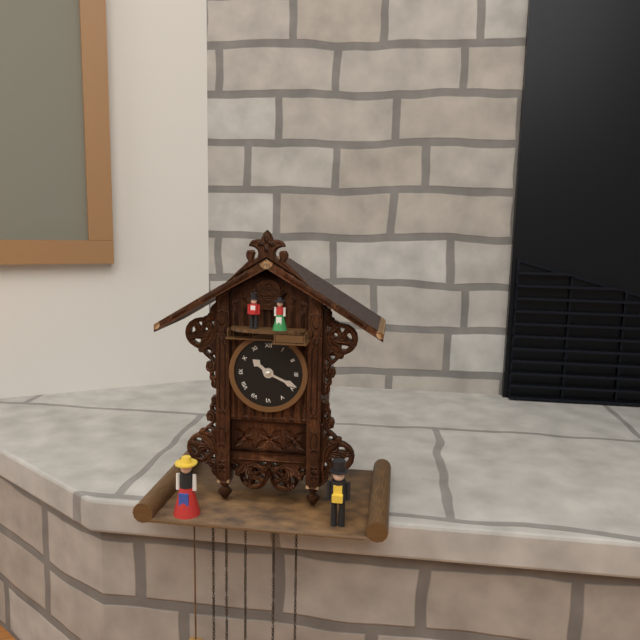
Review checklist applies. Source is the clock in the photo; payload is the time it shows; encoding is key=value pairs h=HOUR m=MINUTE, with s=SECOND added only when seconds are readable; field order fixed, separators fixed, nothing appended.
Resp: h=10 m=19
